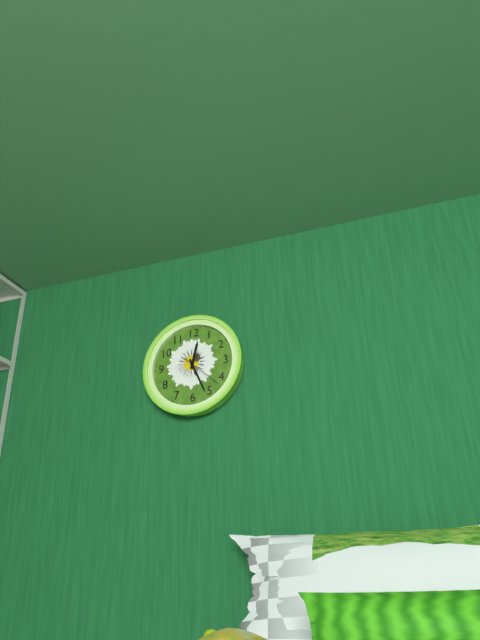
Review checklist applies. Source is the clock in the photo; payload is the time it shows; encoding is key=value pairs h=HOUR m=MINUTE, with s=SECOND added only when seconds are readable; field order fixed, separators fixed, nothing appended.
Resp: h=12 m=26
